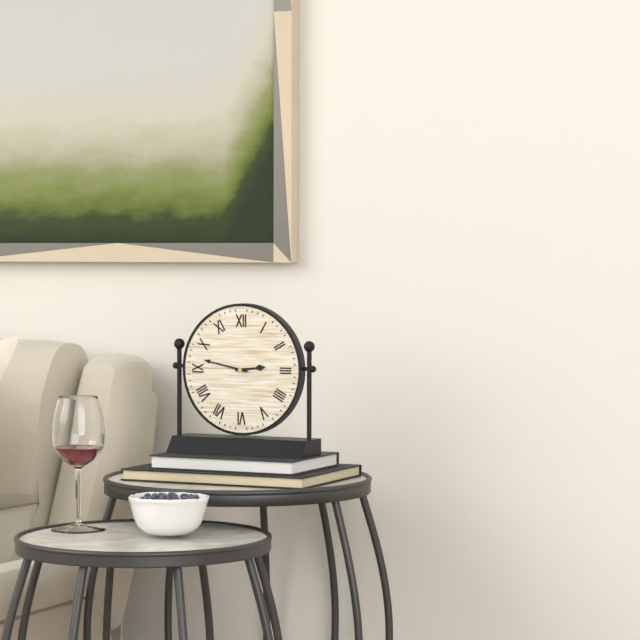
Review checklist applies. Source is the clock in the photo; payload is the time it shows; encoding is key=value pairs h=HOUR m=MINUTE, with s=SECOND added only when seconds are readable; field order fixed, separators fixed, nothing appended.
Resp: h=2 m=47
